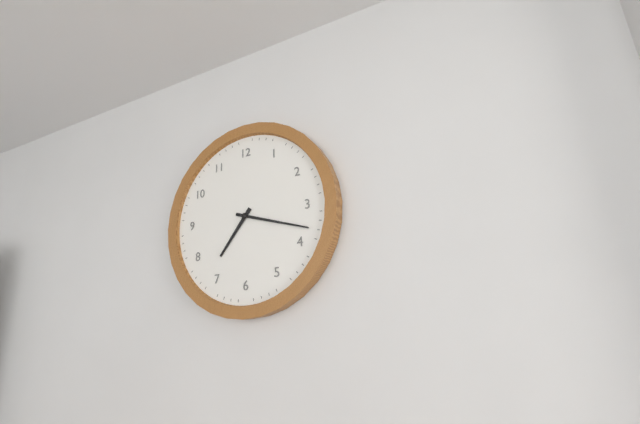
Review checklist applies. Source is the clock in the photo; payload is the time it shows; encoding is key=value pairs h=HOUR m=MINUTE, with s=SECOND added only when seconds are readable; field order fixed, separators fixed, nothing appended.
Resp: h=7 m=18
